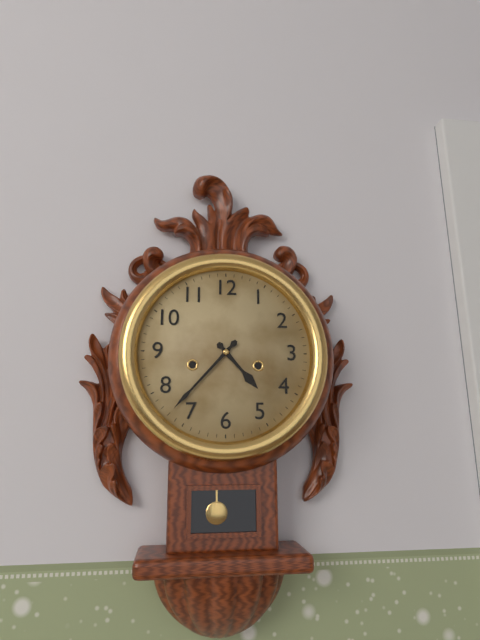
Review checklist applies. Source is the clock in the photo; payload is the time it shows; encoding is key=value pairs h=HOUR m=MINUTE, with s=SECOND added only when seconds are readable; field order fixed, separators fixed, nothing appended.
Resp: h=4 m=37
